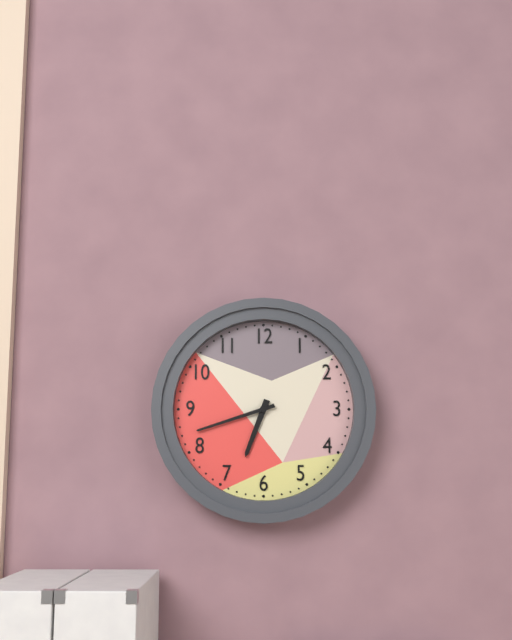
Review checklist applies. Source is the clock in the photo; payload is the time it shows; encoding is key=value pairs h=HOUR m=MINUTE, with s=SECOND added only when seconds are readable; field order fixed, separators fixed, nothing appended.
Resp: h=6 m=42
